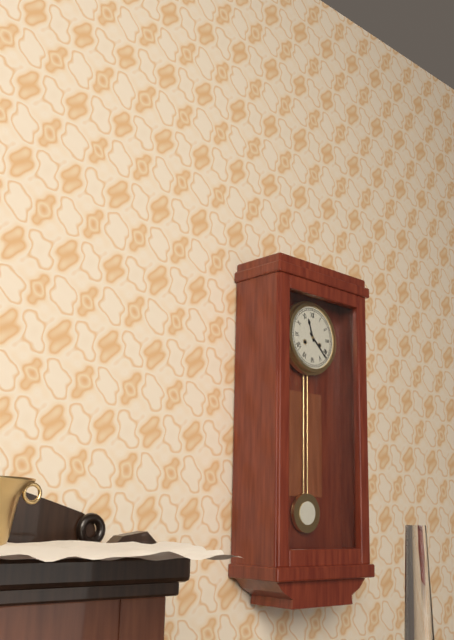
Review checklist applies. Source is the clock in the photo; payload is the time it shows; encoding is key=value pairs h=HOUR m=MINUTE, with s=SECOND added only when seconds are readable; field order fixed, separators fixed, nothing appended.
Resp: h=11 m=22
